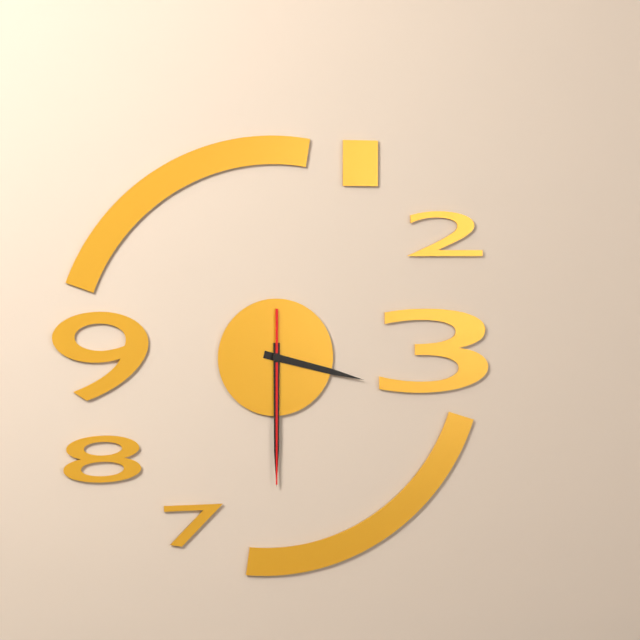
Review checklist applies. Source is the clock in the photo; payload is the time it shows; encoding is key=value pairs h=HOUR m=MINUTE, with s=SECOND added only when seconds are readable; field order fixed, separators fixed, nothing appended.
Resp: h=3 m=30 s=30
